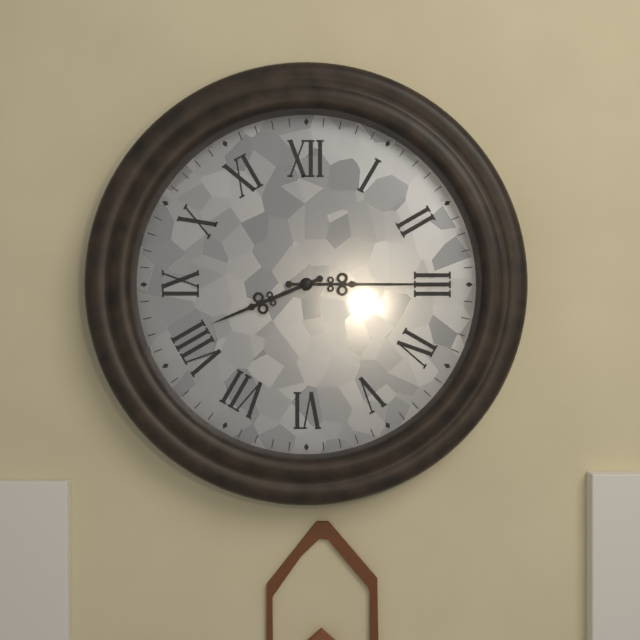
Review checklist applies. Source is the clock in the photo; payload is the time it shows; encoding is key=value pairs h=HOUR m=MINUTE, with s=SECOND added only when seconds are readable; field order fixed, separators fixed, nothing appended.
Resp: h=8 m=15
